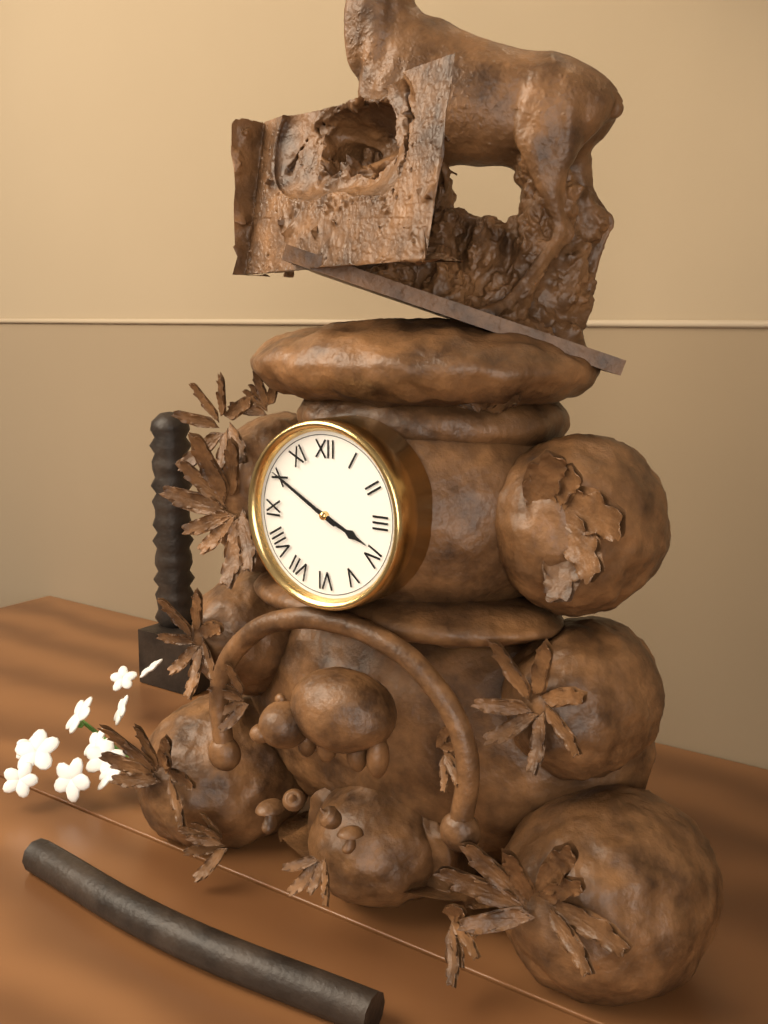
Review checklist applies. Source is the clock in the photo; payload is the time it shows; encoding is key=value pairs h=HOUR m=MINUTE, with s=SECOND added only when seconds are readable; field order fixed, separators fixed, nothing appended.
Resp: h=3 m=50
